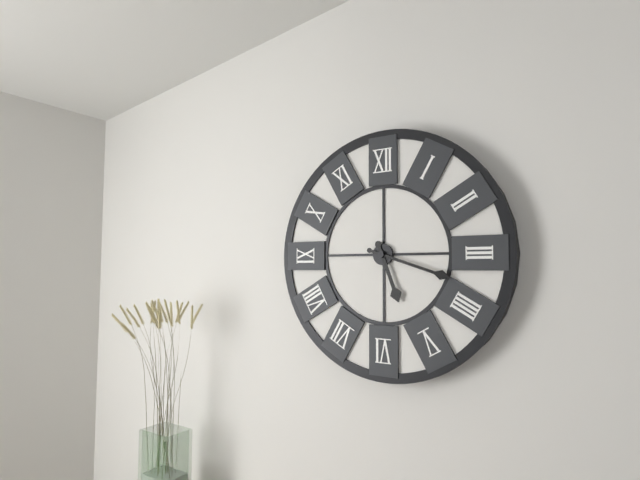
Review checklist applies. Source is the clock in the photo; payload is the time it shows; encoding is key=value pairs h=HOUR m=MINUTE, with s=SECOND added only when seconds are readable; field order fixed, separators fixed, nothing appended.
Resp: h=5 m=18
